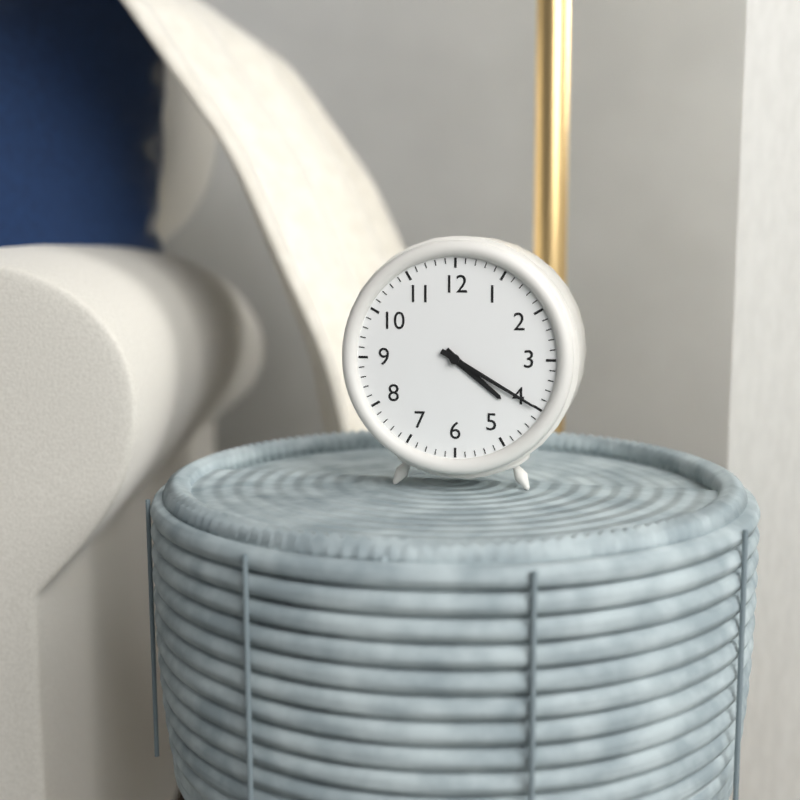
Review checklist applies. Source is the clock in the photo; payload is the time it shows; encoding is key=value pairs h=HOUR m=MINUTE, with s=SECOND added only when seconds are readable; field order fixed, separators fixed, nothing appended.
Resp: h=4 m=20
